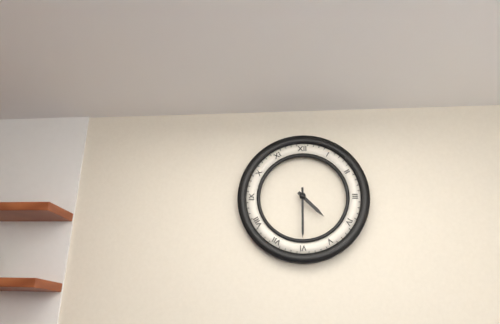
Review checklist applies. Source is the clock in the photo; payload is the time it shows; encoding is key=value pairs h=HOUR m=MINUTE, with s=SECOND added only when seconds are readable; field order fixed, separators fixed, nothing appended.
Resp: h=4 m=30
